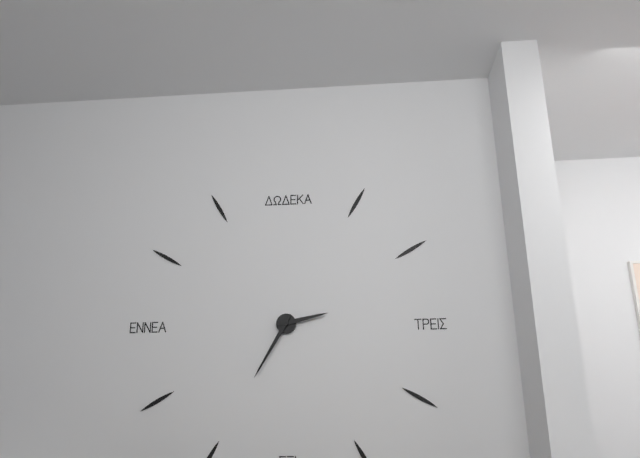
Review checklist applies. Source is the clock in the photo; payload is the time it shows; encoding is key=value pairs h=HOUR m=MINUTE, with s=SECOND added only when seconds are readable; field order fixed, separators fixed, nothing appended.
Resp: h=2 m=35
